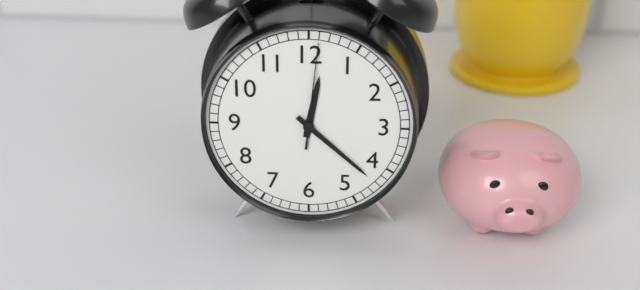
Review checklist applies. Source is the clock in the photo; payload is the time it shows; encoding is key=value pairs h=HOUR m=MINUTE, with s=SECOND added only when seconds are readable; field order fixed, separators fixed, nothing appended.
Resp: h=12 m=22 s=1
